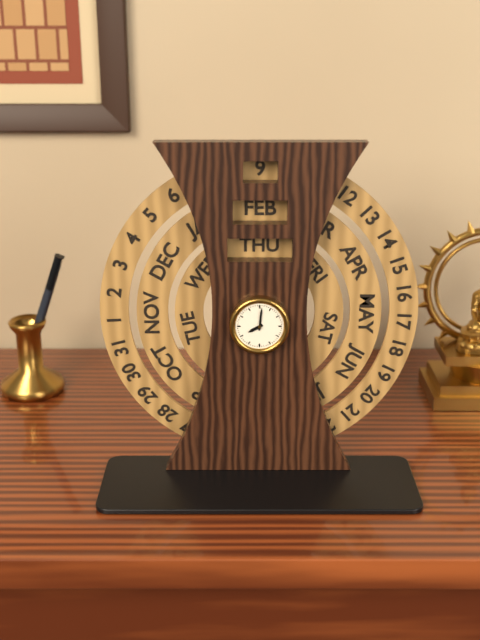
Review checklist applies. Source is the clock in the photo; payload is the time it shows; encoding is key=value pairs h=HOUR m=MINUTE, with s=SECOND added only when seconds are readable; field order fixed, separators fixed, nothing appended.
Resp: h=8 m=1
